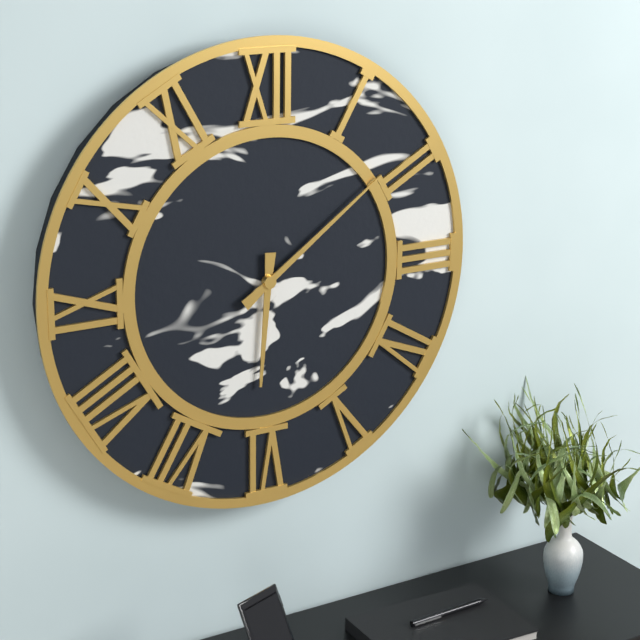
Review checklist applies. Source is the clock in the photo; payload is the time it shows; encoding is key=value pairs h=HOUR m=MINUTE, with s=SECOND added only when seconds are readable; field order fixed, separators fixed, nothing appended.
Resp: h=6 m=9
